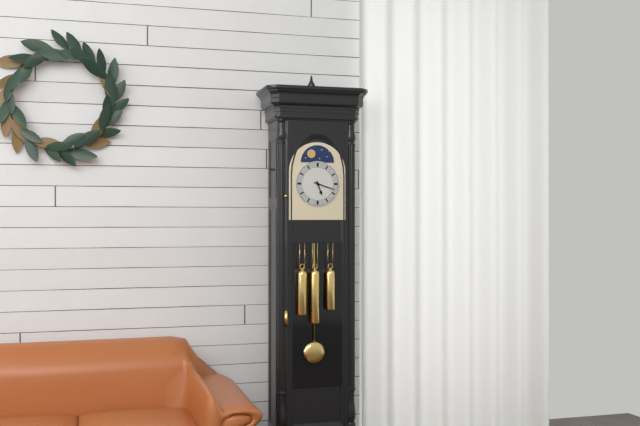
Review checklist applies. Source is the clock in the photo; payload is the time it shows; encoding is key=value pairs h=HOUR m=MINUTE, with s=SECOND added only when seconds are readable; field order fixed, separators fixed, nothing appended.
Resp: h=5 m=18
